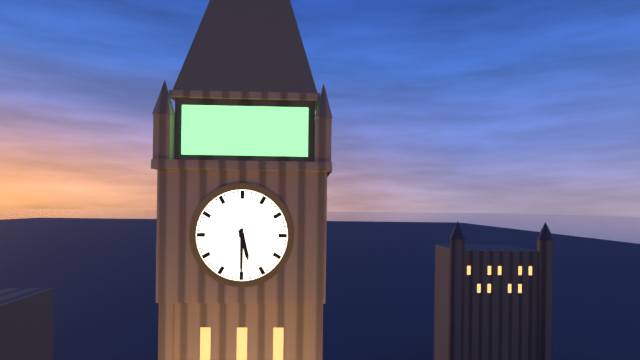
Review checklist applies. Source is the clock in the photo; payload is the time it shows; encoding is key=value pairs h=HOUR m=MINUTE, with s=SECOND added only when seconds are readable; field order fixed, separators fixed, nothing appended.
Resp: h=5 m=30
